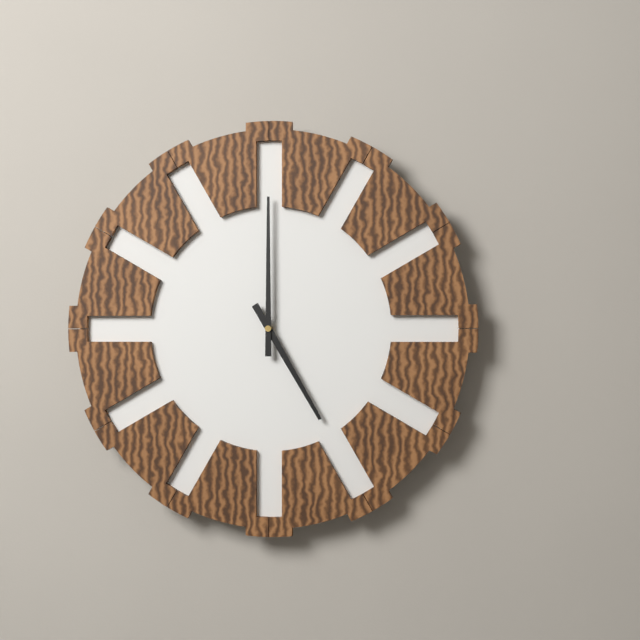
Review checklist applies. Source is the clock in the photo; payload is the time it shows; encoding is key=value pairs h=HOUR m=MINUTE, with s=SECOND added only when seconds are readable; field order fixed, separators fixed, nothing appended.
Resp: h=5 m=0
